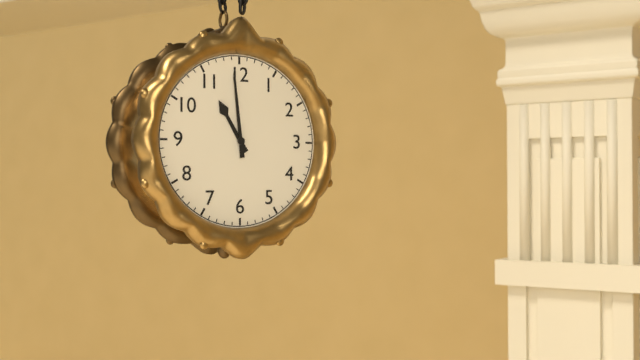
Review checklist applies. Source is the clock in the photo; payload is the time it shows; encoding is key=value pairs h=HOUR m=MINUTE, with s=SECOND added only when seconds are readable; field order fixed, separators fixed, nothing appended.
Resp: h=10 m=59
